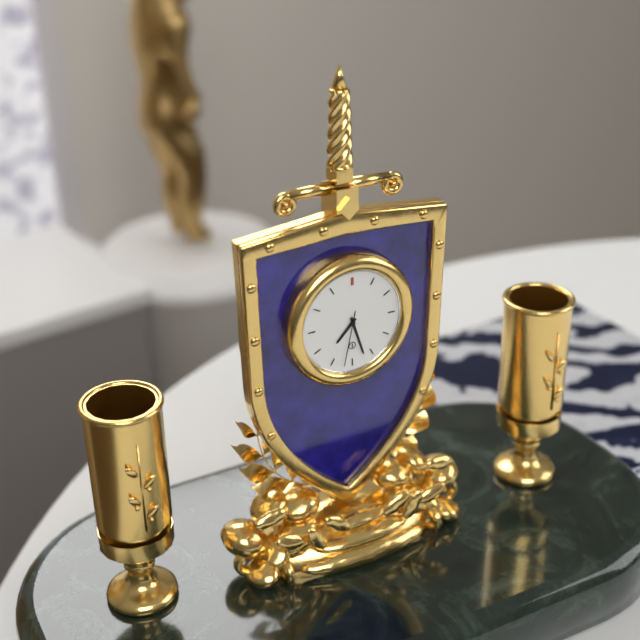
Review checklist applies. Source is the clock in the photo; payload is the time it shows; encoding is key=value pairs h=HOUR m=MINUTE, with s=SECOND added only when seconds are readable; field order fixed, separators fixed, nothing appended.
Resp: h=7 m=27 s=32
